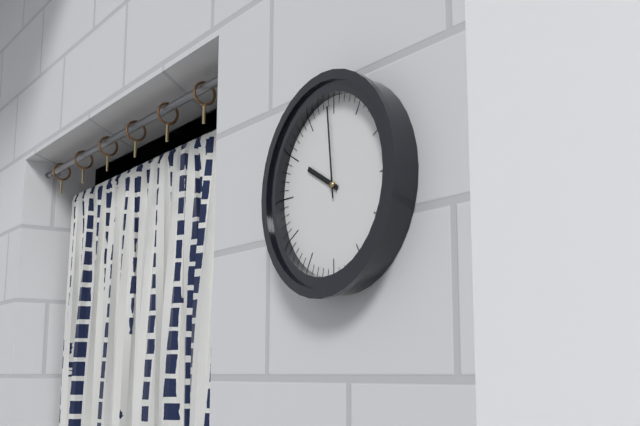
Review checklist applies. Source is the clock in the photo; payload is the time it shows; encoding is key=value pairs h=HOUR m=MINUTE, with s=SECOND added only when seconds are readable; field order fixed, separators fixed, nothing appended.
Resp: h=9 m=59
